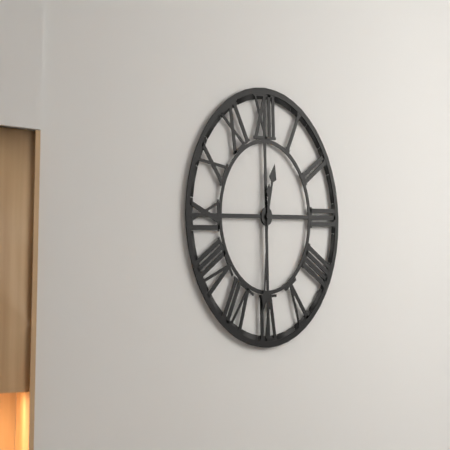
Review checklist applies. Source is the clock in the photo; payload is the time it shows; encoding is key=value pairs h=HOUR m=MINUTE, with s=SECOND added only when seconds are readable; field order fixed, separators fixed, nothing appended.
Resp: h=12 m=31
